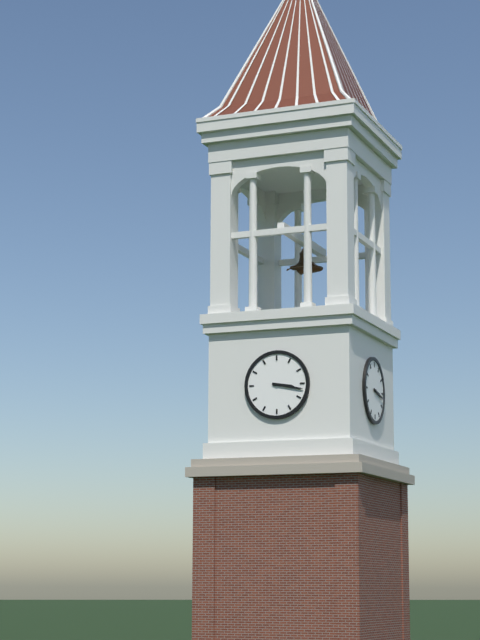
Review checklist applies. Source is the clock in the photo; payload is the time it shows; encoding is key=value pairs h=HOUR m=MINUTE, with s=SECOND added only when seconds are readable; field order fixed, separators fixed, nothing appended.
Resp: h=3 m=17
